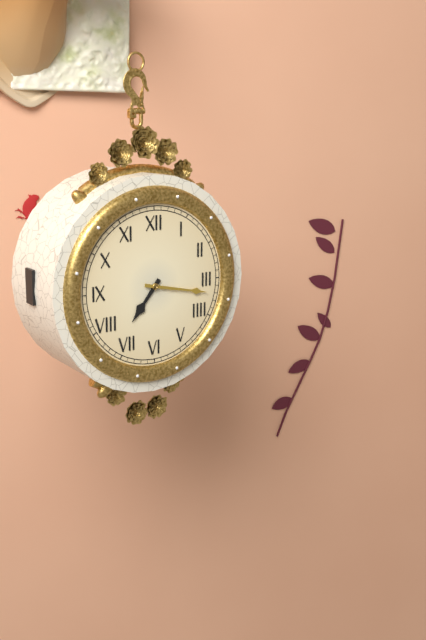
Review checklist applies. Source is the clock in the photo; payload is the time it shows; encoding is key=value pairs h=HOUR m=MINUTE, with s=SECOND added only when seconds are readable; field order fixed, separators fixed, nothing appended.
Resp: h=7 m=17
